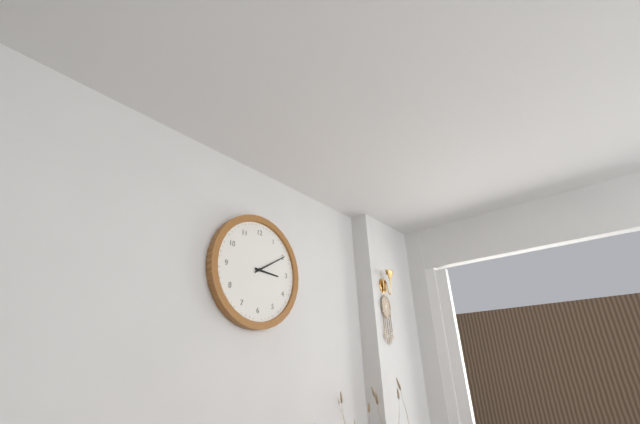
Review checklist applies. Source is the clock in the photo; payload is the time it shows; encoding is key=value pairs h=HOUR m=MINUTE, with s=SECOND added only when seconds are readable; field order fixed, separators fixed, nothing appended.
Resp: h=3 m=10
